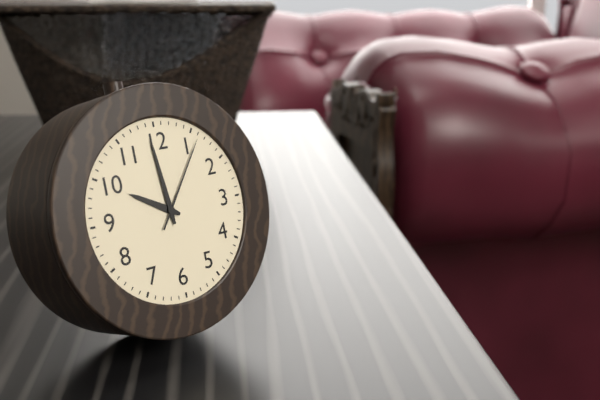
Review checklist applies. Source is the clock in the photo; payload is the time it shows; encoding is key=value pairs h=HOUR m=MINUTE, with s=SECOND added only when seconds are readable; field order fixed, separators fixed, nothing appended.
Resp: h=9 m=59 s=6
